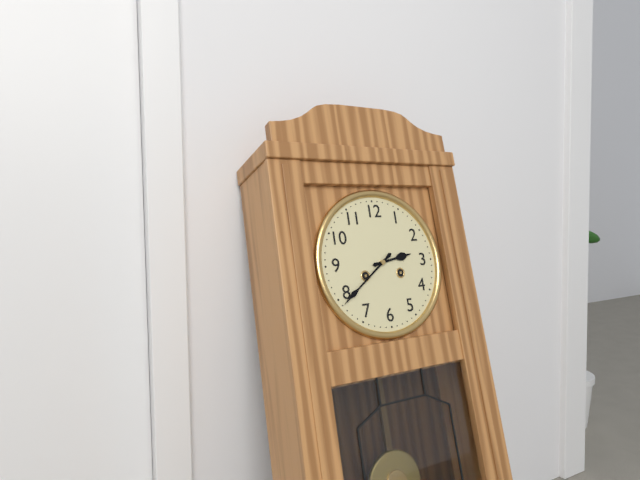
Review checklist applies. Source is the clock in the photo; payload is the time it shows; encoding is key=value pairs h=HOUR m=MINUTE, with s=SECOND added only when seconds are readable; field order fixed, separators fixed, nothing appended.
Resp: h=2 m=39
